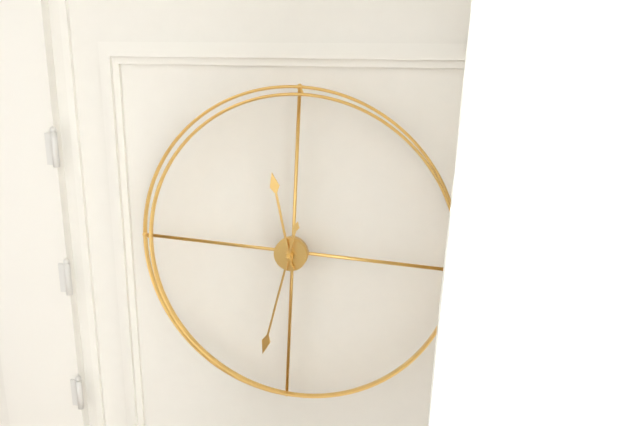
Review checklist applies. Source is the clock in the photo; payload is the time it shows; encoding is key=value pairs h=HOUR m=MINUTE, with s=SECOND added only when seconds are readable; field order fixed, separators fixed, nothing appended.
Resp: h=11 m=32
